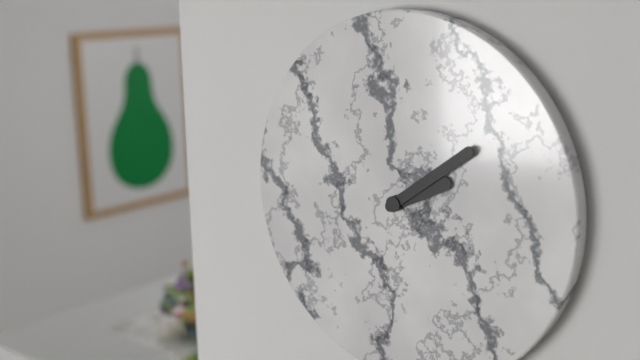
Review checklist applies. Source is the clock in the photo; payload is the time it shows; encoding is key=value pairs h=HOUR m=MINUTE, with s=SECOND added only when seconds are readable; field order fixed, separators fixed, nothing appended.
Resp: h=2 m=9
